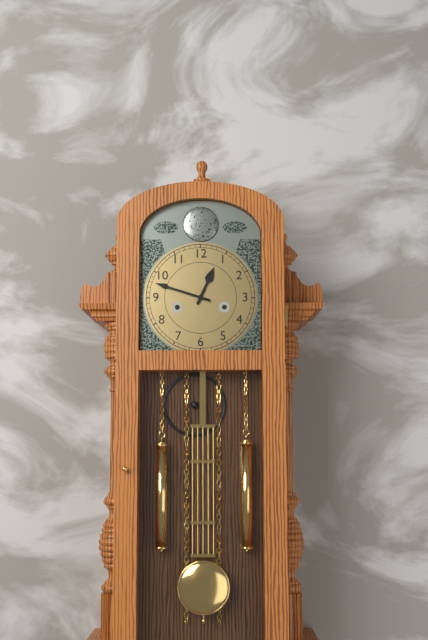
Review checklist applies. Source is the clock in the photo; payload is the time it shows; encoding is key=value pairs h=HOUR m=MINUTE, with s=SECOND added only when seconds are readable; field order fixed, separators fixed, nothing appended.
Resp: h=12 m=48
